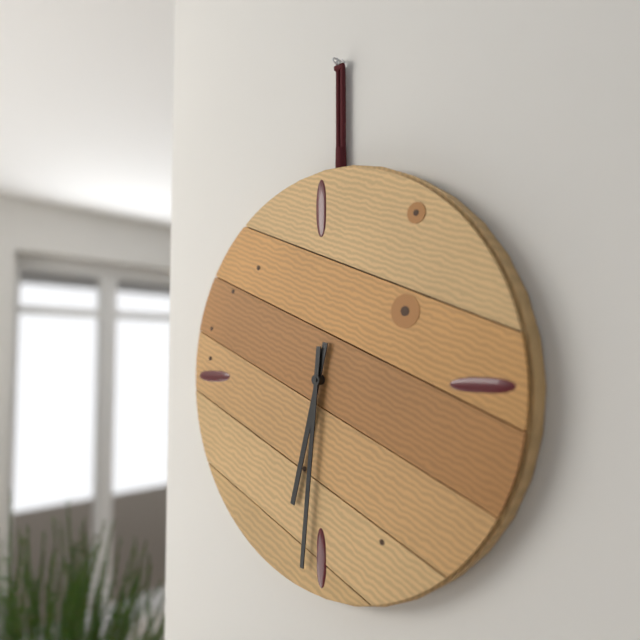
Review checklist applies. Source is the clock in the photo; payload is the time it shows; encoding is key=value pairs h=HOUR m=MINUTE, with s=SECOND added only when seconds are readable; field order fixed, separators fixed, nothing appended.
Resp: h=6 m=31
